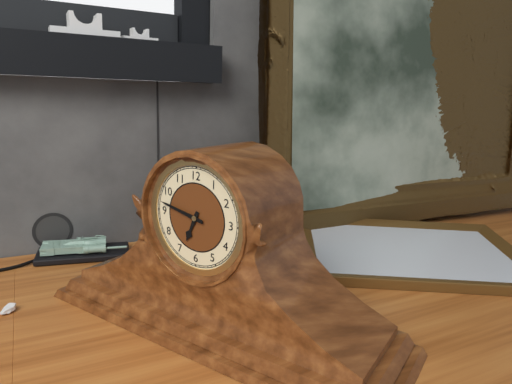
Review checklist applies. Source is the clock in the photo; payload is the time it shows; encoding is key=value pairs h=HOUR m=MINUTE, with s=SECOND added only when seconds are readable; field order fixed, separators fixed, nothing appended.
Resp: h=6 m=47
